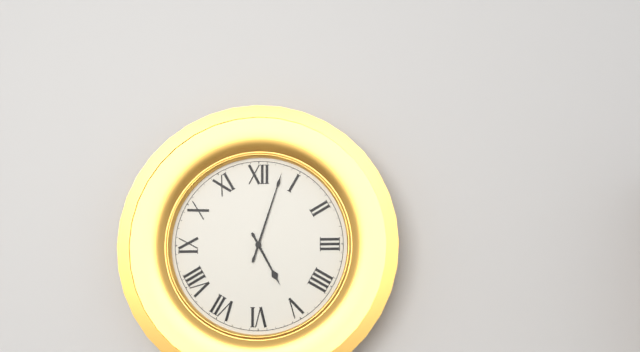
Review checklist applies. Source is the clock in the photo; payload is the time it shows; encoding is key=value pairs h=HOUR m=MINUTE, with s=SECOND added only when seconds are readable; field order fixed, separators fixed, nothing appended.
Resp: h=5 m=3
